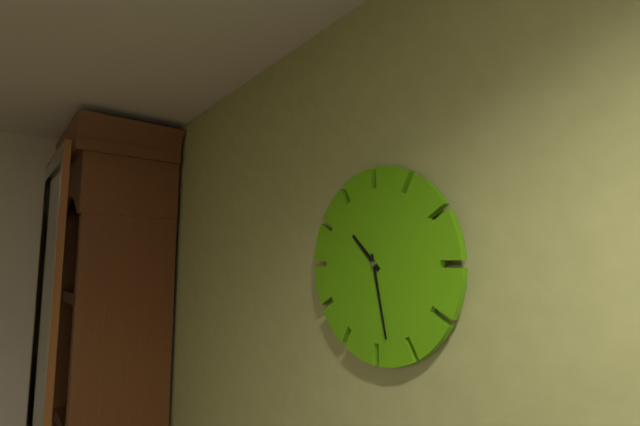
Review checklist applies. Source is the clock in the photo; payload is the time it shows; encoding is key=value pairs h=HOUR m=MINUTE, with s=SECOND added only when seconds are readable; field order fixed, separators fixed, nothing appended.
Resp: h=10 m=28
